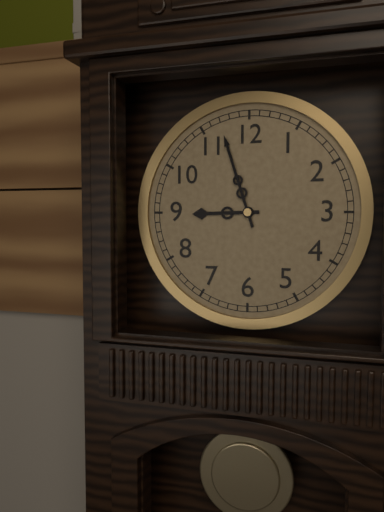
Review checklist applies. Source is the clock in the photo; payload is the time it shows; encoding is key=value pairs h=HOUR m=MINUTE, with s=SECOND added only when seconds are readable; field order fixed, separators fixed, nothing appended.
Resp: h=8 m=57
